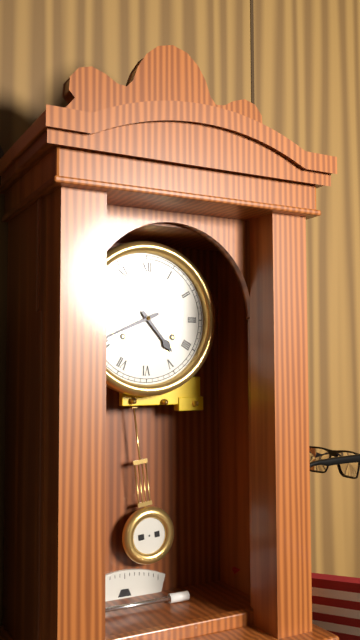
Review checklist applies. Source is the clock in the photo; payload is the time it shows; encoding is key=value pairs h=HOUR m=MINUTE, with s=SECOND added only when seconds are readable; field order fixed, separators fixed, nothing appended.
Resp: h=4 m=41
